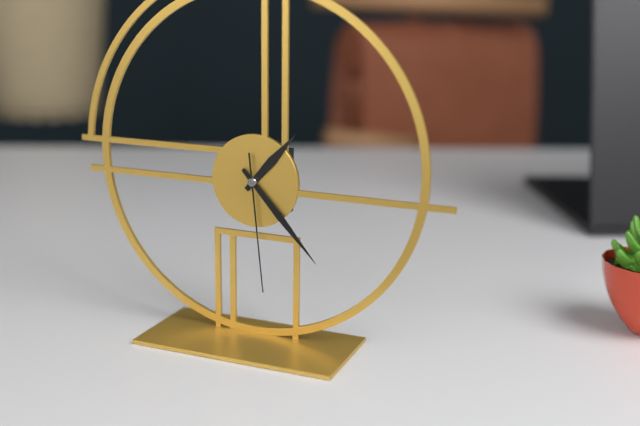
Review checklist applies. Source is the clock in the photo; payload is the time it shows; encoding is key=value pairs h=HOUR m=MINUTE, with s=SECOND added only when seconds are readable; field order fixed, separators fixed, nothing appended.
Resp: h=1 m=23 s=29
